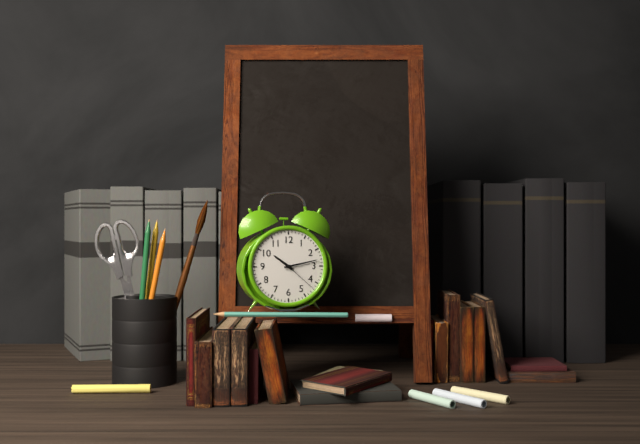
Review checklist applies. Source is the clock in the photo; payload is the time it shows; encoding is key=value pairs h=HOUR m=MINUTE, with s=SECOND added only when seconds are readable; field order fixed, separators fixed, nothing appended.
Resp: h=10 m=13
